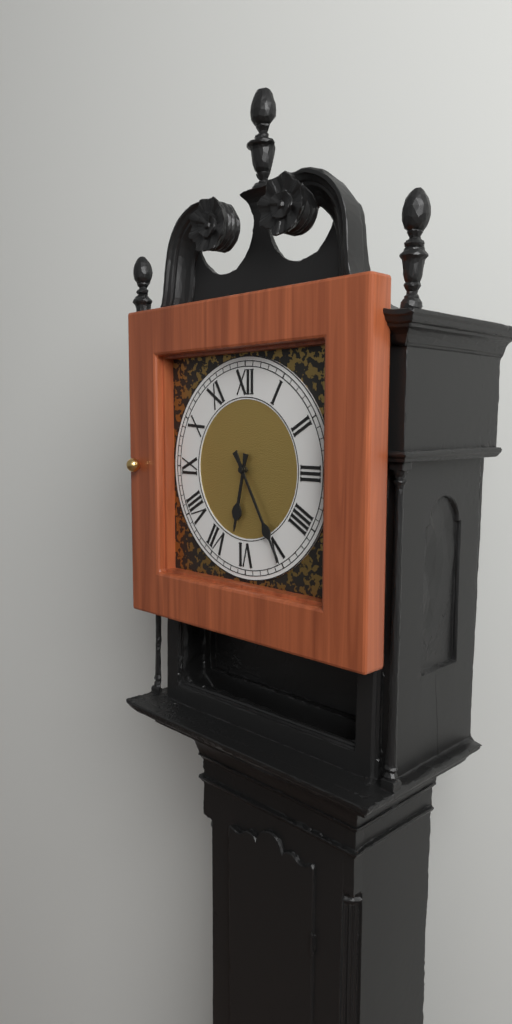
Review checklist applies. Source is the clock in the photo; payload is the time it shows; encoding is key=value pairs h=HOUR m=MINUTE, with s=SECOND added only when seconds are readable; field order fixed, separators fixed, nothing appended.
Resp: h=6 m=25
